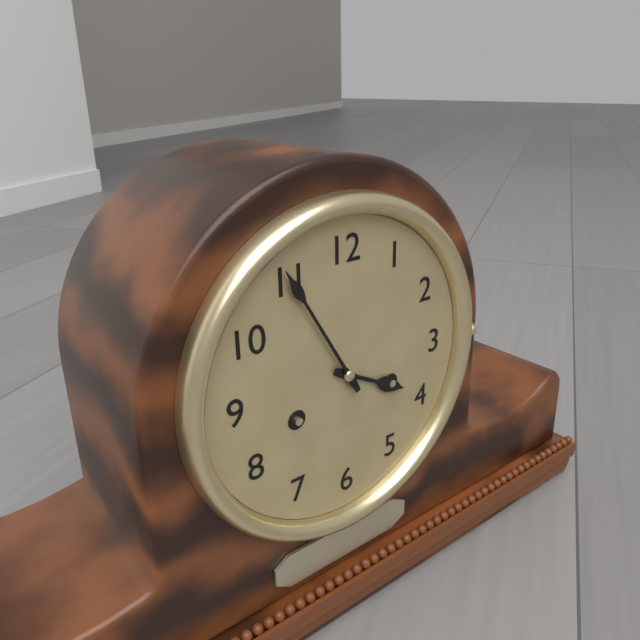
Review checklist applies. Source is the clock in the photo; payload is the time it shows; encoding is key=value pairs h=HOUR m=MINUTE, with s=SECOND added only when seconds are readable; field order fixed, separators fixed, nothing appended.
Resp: h=3 m=55
